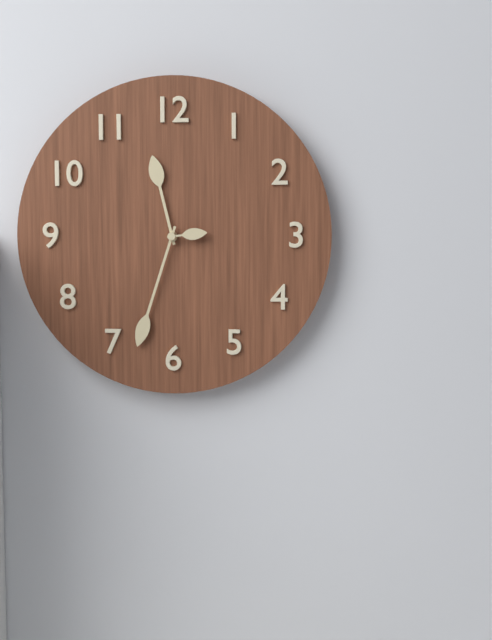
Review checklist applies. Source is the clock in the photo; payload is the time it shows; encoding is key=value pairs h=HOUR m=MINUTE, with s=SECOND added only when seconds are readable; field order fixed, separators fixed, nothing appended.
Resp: h=11 m=33
